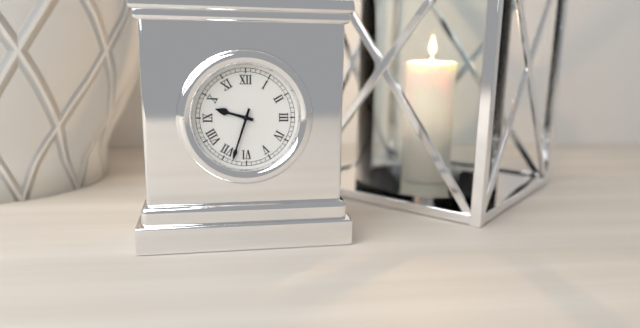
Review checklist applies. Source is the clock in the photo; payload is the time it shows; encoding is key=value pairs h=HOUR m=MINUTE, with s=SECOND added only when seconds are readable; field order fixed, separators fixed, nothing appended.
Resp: h=9 m=33
